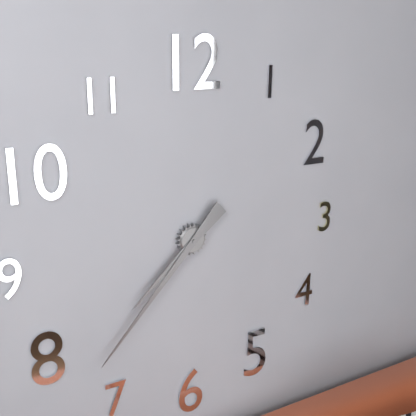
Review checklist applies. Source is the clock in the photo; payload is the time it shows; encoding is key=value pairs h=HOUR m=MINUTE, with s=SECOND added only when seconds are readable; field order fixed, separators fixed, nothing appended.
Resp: h=7 m=37
